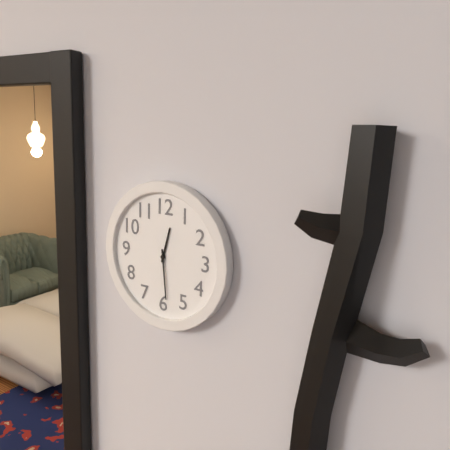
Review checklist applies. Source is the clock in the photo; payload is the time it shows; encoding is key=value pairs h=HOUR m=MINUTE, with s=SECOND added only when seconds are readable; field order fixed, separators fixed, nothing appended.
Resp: h=12 m=29
